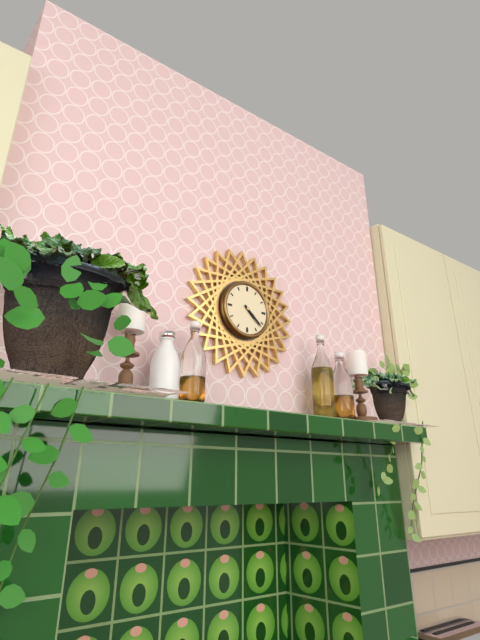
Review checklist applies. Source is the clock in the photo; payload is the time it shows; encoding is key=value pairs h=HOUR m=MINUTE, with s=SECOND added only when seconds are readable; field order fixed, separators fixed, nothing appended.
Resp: h=4 m=22
